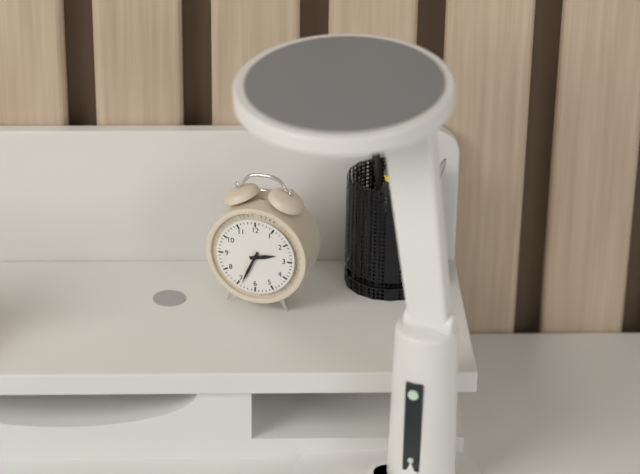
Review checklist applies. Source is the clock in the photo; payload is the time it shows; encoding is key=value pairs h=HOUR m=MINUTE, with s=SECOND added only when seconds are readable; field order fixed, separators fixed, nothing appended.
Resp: h=2 m=34
